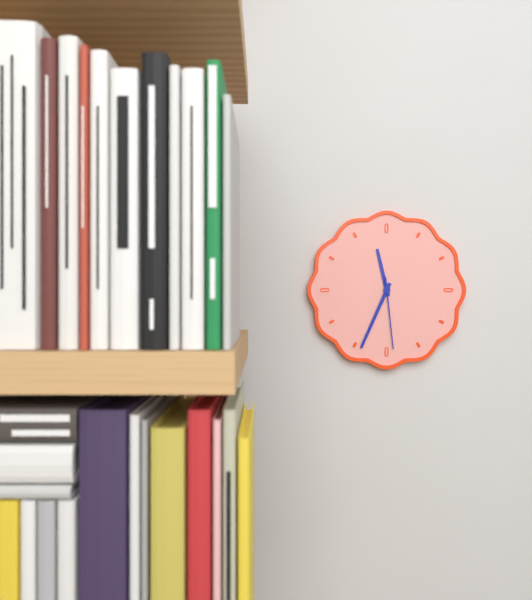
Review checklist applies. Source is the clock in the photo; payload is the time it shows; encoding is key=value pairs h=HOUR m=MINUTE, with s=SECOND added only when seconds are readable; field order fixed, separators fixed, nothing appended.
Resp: h=11 m=34 s=29
